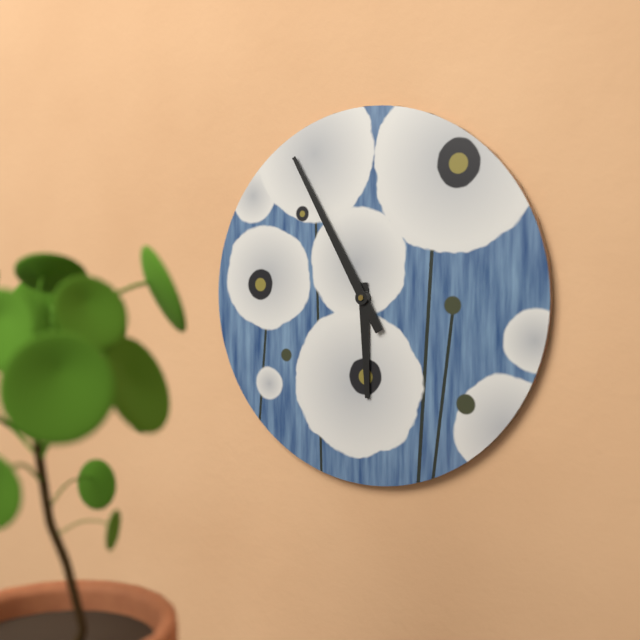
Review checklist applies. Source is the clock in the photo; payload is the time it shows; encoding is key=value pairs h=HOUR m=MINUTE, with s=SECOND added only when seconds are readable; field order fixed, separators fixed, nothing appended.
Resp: h=5 m=55
